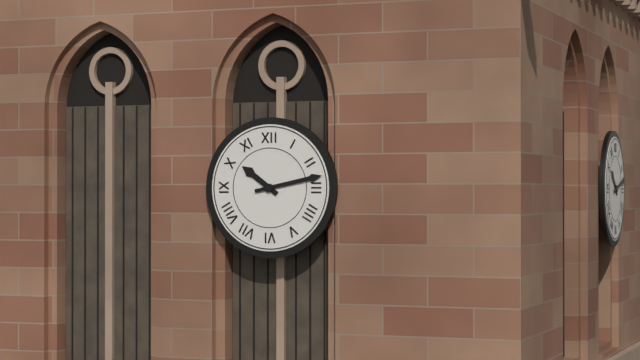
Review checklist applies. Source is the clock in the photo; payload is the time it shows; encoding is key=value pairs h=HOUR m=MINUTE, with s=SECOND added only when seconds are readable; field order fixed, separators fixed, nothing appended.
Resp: h=10 m=13
